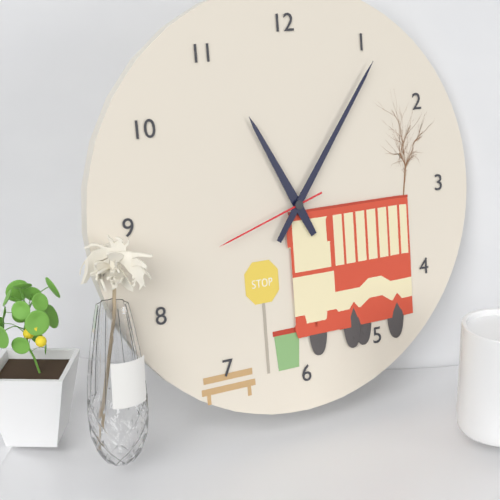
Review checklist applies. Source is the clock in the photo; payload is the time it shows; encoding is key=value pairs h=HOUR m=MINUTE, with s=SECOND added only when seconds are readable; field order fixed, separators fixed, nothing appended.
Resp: h=11 m=6 s=42
